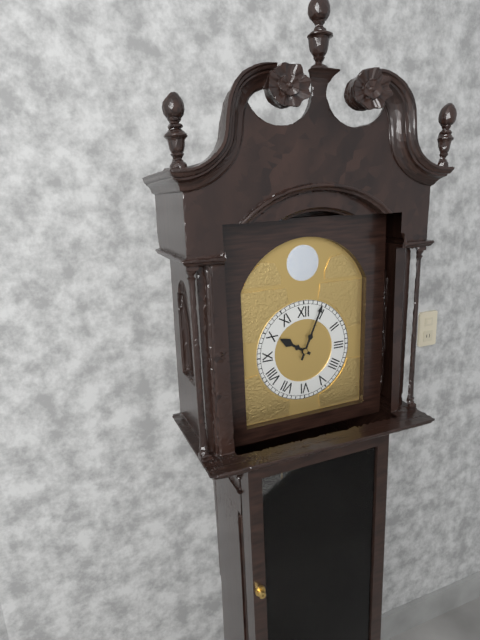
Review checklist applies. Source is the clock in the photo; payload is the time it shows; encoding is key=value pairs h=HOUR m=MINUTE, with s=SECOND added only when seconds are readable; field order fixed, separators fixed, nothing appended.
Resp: h=10 m=4
